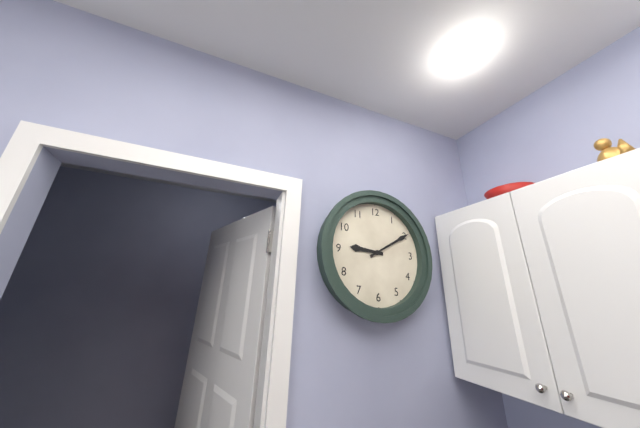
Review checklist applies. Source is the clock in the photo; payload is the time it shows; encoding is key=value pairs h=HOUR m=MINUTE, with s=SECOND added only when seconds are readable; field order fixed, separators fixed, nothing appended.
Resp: h=9 m=10
